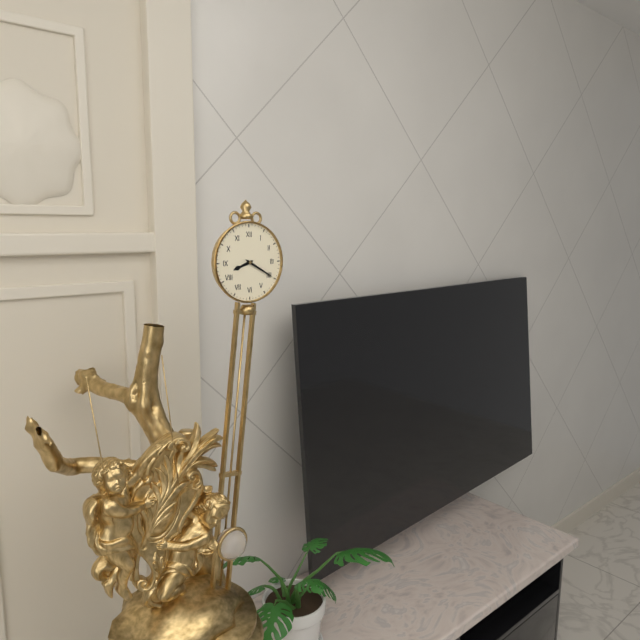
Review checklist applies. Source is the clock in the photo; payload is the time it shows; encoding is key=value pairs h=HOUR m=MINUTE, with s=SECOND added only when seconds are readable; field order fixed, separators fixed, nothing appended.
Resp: h=8 m=20
